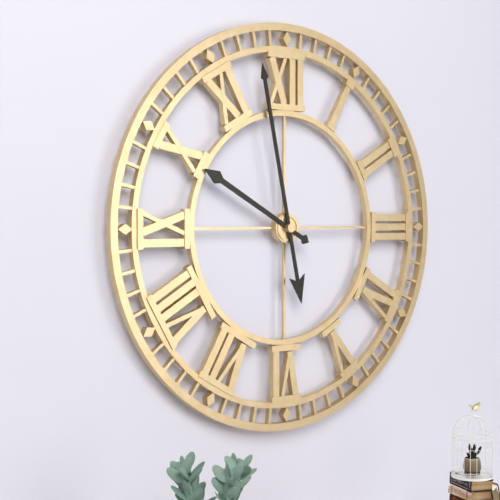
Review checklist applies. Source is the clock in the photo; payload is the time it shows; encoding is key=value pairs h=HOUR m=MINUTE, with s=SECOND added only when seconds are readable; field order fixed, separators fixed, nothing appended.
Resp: h=9 m=58
